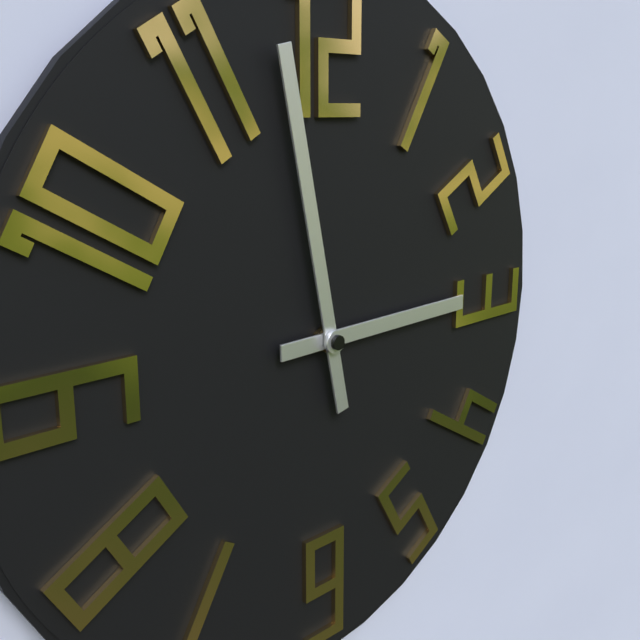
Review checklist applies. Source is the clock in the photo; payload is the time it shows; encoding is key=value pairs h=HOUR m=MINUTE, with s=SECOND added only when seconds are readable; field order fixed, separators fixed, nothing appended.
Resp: h=2 m=58
